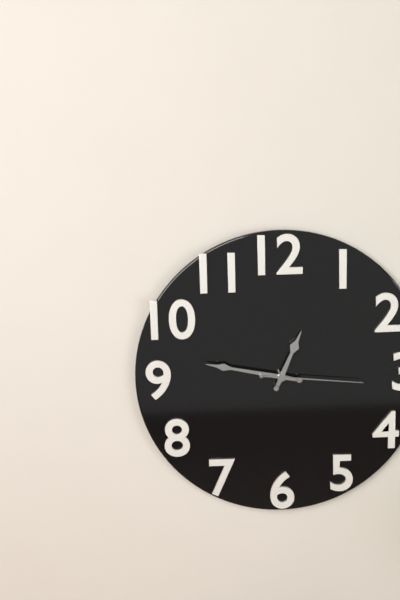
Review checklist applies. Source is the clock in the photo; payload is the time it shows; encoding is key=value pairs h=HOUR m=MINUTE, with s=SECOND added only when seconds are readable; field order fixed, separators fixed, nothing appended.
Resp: h=12 m=47 s=16
